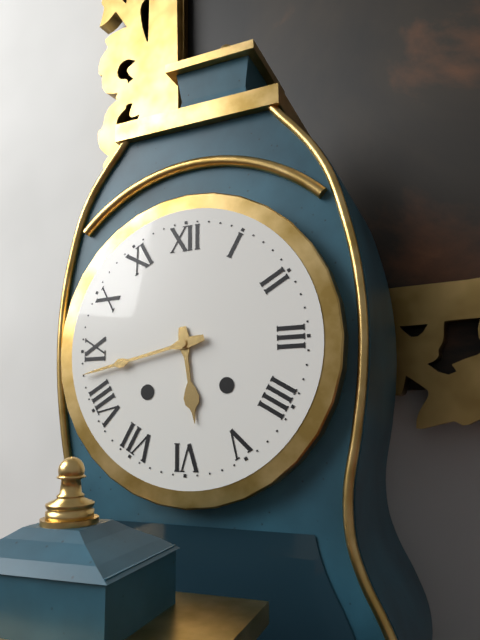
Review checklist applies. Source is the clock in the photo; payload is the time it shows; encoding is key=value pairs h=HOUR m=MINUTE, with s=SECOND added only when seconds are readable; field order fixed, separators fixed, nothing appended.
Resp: h=5 m=43
